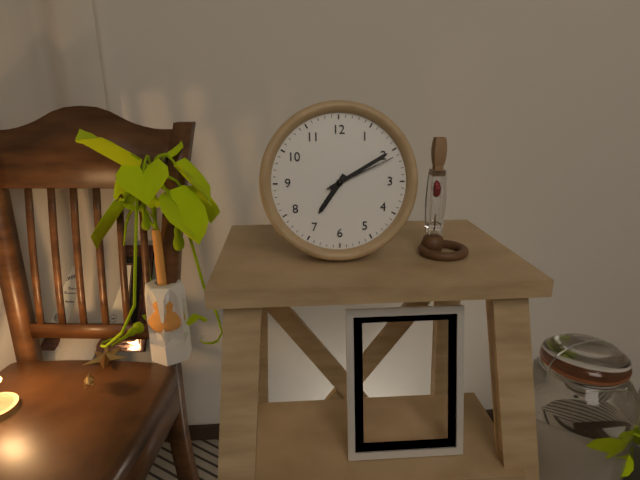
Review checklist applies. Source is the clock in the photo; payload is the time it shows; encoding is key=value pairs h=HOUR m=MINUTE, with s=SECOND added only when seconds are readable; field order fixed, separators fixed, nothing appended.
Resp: h=7 m=10 s=11
